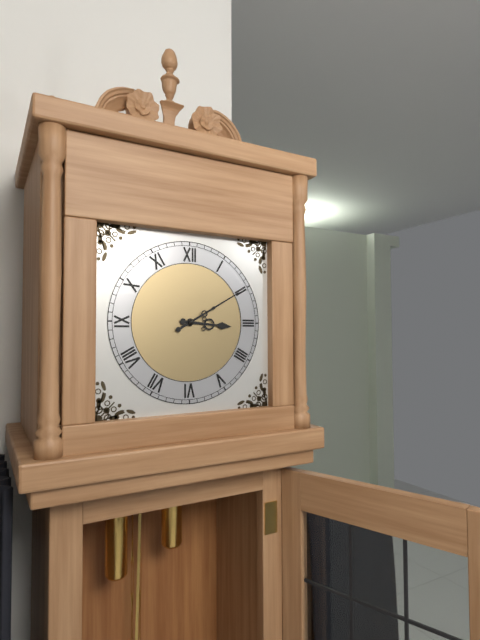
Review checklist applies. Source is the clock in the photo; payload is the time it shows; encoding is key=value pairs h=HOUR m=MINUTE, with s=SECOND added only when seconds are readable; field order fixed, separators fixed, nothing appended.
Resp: h=3 m=10
